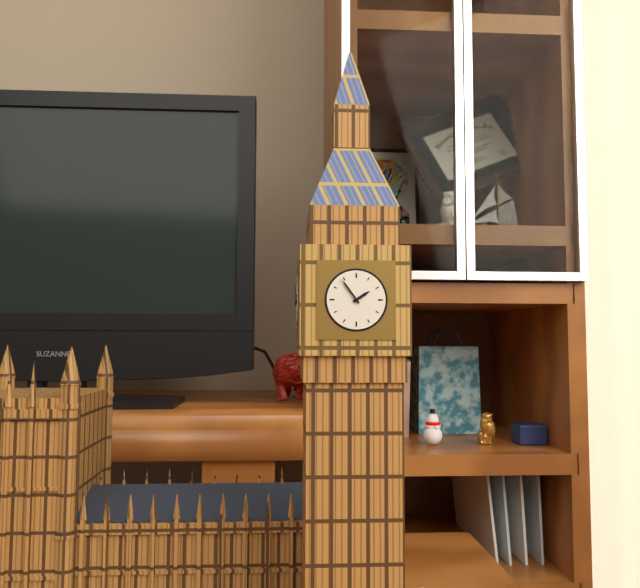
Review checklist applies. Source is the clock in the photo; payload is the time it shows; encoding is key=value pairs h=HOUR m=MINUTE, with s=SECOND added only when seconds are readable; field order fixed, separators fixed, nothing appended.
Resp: h=1 m=54
